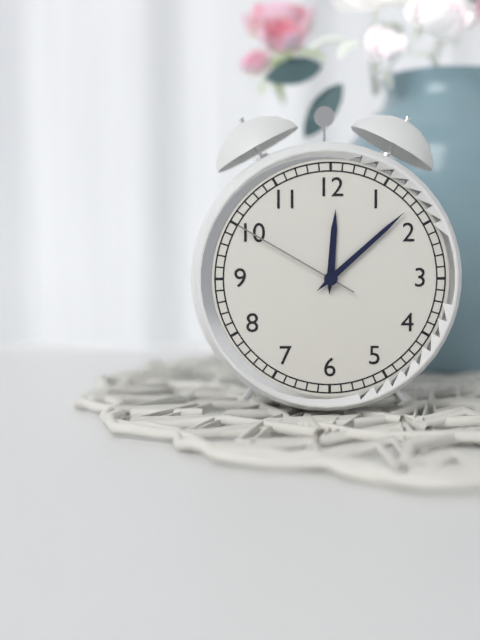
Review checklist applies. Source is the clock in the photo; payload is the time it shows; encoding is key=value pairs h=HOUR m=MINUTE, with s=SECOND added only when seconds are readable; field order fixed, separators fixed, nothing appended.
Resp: h=12 m=8 s=50
